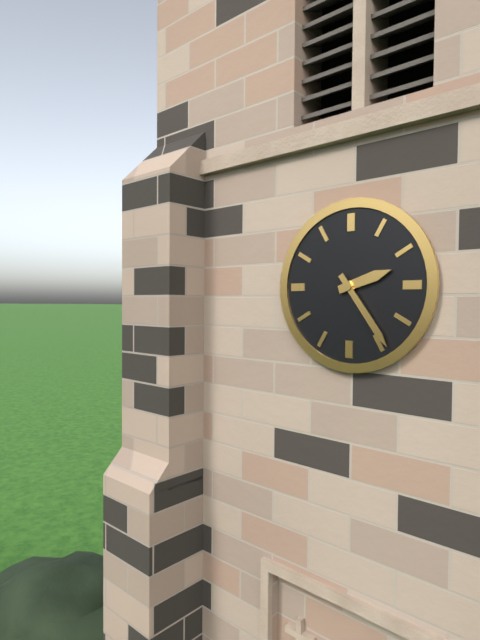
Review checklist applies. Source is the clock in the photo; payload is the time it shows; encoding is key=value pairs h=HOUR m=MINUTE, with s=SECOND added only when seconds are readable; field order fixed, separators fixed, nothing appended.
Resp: h=2 m=24
